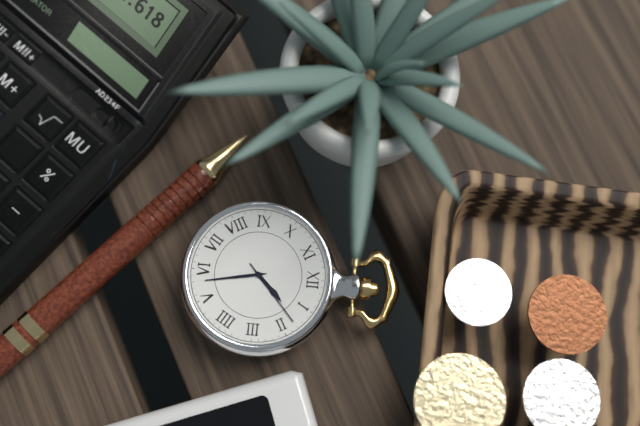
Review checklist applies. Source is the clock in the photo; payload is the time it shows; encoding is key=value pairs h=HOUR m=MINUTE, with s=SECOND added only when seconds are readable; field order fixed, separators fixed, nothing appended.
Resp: h=1 m=28 s=8
